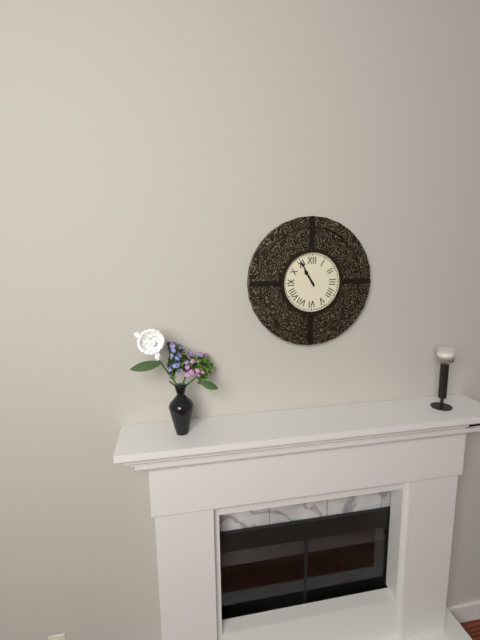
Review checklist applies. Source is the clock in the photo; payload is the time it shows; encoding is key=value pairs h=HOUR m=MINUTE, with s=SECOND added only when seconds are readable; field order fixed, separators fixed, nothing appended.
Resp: h=10 m=55
